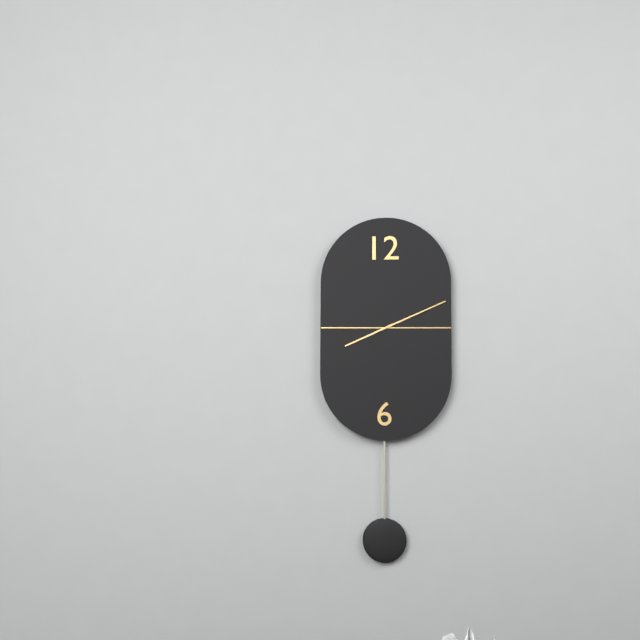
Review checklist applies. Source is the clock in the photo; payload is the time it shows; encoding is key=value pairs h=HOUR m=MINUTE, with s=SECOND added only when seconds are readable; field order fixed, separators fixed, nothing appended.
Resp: h=8 m=11
